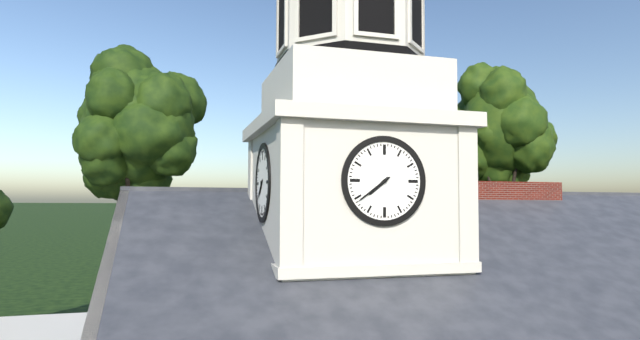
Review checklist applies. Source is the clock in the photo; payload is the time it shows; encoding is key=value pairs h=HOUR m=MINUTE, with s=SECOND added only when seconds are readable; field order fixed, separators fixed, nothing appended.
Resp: h=7 m=39
